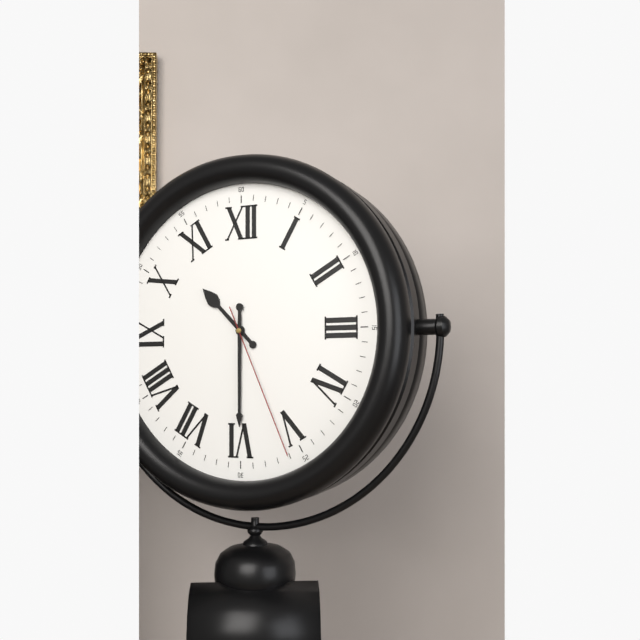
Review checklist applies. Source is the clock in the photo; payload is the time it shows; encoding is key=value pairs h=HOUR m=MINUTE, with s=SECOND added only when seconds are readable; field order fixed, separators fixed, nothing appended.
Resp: h=10 m=30 s=26
